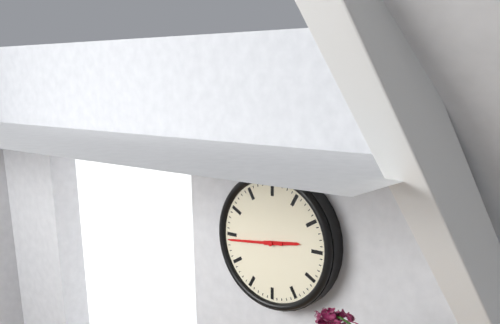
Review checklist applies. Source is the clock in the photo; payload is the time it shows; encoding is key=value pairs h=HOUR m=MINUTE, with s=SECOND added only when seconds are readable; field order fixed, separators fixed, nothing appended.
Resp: h=2 m=44
